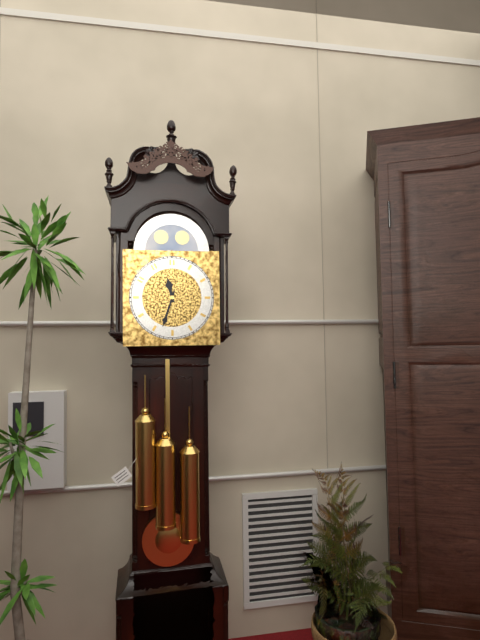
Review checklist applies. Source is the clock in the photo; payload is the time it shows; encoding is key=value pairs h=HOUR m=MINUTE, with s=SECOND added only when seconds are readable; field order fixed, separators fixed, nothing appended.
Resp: h=11 m=33
